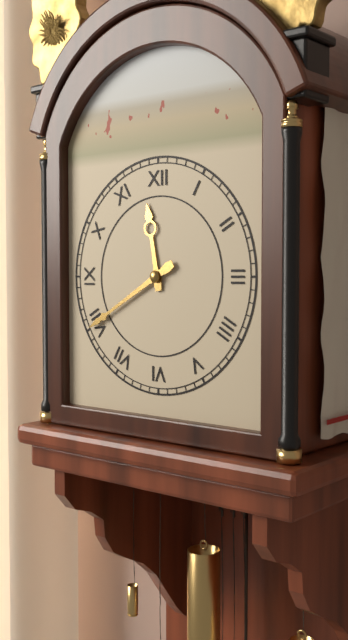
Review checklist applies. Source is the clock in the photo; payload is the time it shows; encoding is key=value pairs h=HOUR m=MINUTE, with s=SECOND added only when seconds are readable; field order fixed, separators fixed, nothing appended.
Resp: h=11 m=40
